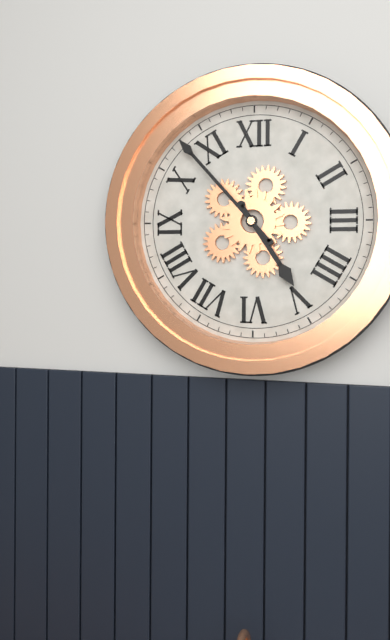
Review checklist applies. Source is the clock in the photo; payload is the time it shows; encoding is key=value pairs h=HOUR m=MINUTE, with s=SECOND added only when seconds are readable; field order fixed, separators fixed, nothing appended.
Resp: h=4 m=53
